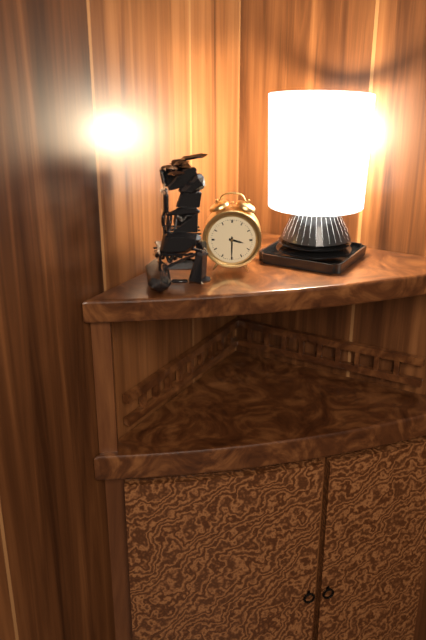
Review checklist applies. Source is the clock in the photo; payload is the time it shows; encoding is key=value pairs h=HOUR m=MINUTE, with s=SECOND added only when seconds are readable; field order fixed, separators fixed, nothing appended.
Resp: h=3 m=30
